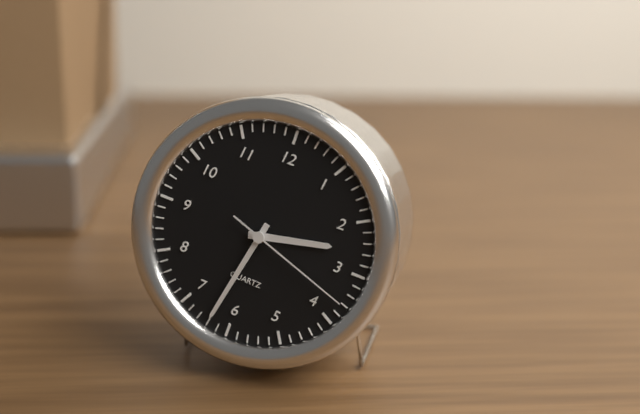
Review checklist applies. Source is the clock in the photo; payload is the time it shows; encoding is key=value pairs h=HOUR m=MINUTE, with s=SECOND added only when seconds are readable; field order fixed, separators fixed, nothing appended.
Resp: h=2 m=32 s=18
